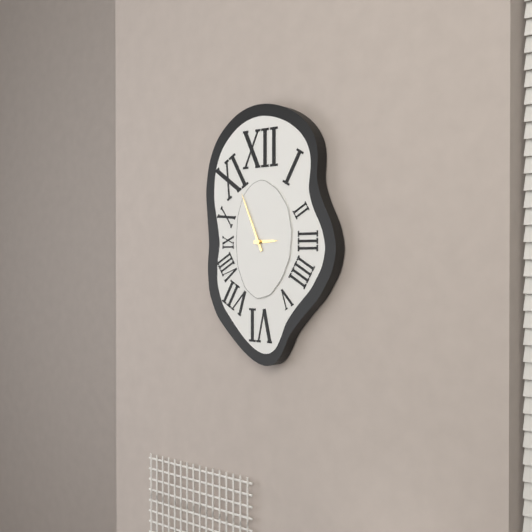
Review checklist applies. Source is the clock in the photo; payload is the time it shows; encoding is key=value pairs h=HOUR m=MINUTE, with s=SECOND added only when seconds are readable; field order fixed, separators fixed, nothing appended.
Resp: h=2 m=56
